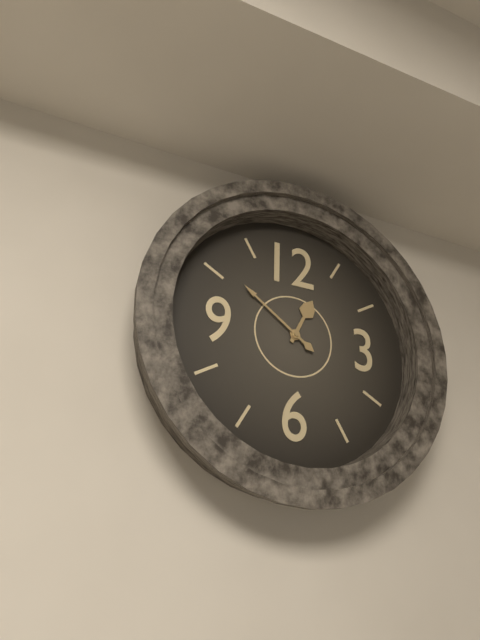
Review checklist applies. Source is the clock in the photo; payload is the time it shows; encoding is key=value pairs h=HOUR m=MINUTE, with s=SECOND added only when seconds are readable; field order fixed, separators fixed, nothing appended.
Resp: h=12 m=51
